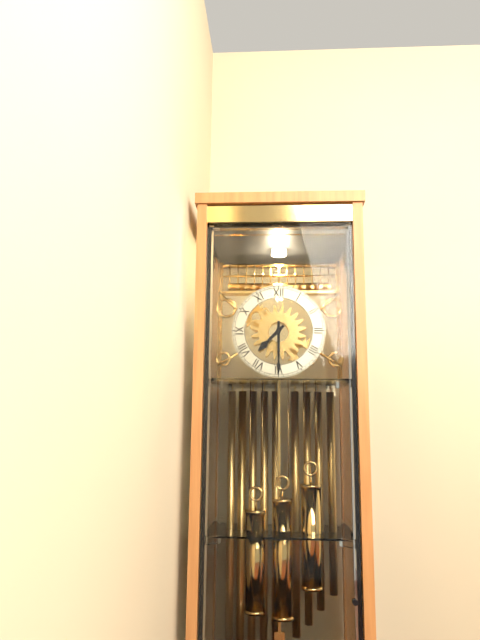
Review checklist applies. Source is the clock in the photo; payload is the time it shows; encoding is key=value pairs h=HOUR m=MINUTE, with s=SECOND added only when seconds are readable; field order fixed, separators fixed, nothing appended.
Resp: h=7 m=30
